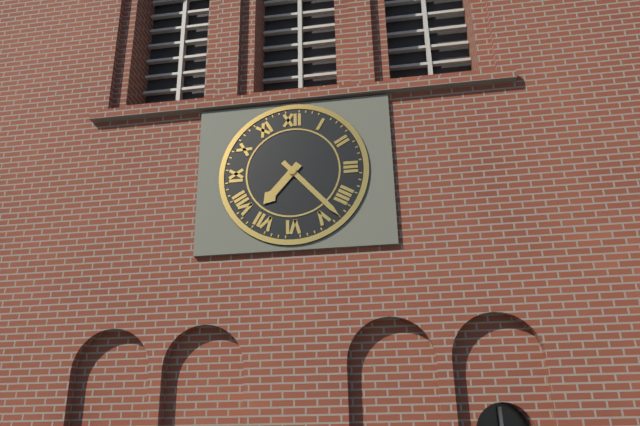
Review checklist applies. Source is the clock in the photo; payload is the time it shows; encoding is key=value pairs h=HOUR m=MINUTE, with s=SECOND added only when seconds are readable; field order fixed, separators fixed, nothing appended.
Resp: h=7 m=23
